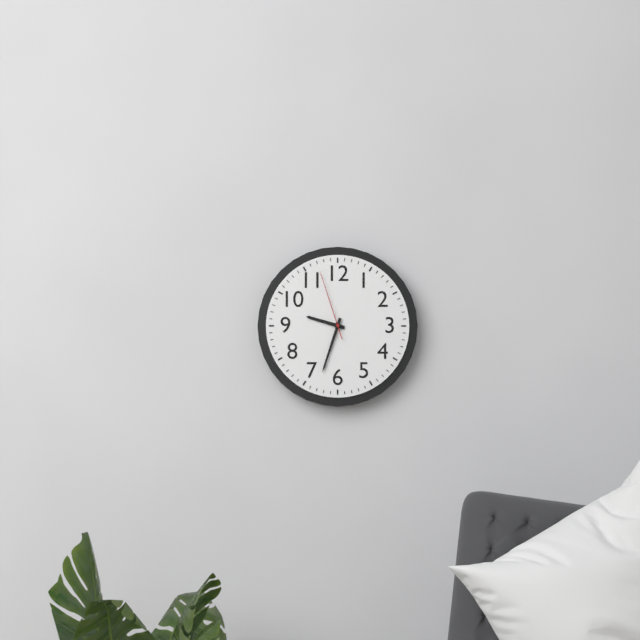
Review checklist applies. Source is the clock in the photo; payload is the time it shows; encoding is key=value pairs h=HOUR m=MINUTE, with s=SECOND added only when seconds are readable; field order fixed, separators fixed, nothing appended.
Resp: h=9 m=33 s=57
